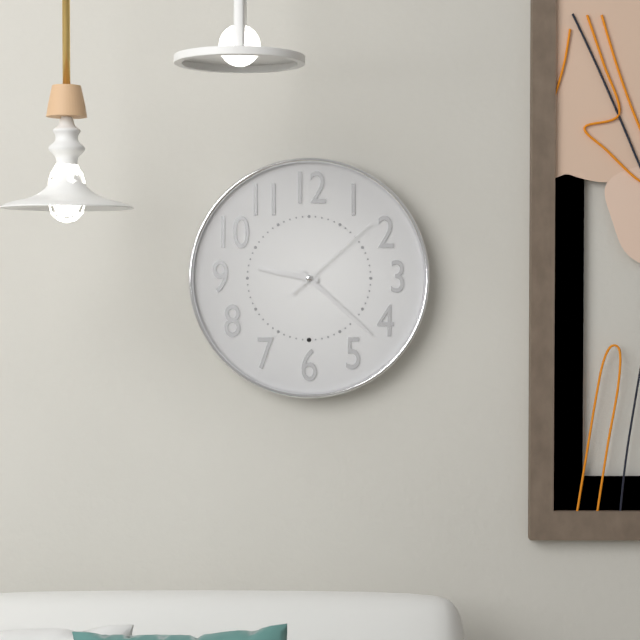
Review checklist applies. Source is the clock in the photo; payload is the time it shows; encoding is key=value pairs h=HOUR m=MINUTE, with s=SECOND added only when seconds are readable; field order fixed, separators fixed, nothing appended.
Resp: h=9 m=22 s=8
